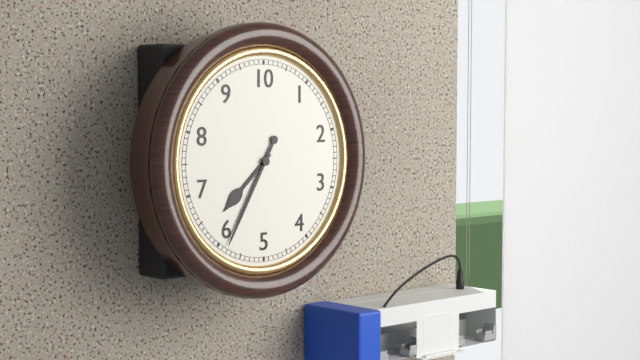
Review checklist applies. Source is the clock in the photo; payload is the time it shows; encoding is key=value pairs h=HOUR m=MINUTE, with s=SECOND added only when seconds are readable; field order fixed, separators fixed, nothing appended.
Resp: h=7 m=35
